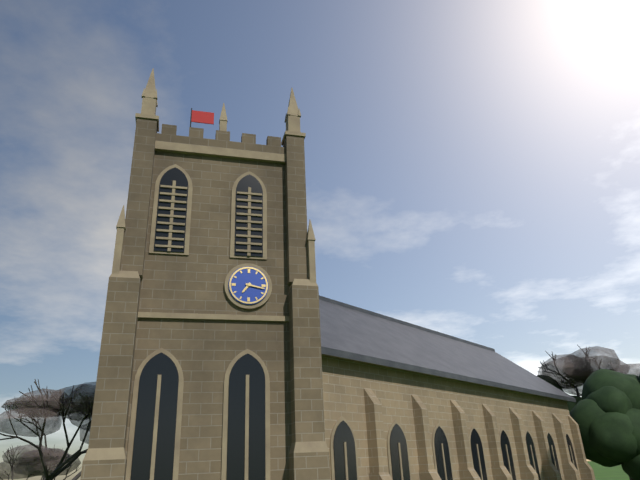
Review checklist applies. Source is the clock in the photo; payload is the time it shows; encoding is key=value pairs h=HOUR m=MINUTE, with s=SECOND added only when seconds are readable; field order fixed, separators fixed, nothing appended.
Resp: h=7 m=17
